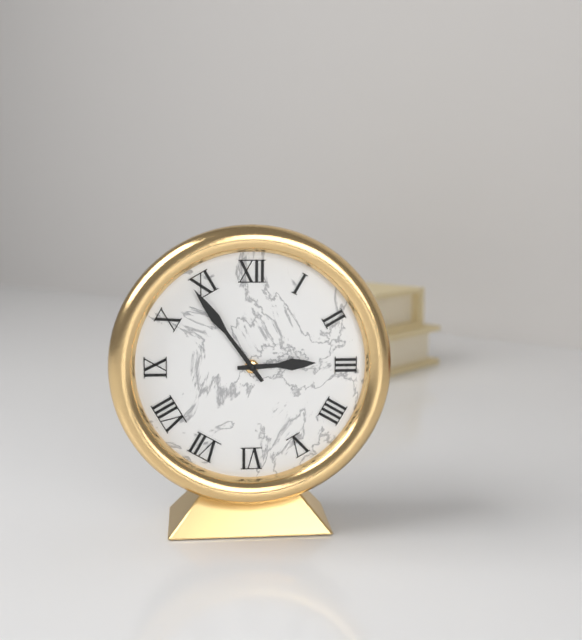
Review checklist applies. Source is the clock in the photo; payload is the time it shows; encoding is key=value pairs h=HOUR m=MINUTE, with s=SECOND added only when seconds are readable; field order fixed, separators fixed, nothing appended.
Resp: h=2 m=54
